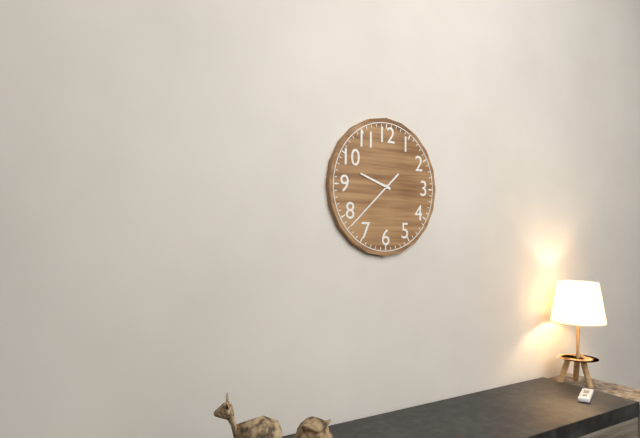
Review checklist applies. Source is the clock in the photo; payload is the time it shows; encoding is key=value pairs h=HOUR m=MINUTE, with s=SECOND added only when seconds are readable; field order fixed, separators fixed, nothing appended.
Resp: h=9 m=38
